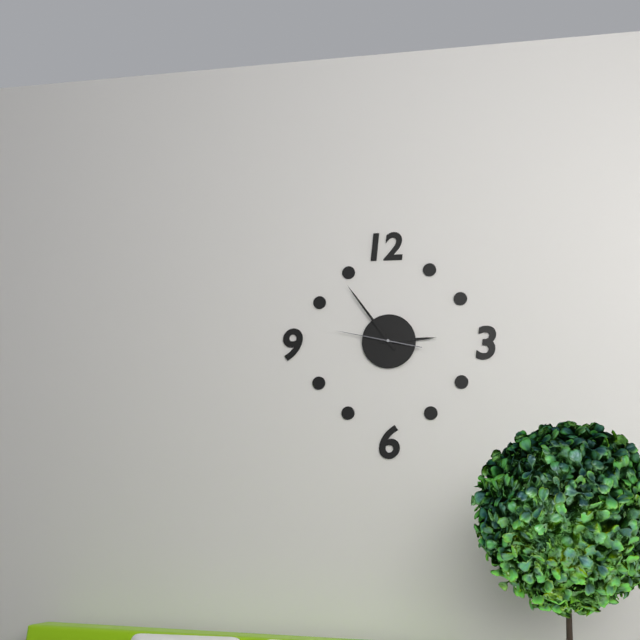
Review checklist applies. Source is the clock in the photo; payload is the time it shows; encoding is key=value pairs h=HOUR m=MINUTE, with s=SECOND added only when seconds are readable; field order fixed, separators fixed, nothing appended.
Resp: h=2 m=54 s=47
